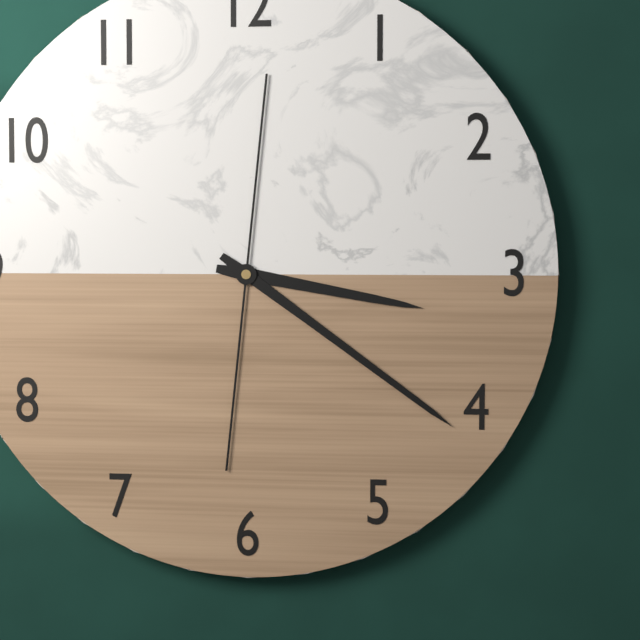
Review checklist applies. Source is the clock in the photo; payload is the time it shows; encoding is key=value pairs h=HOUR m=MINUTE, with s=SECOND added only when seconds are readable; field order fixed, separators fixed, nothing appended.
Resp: h=3 m=21
